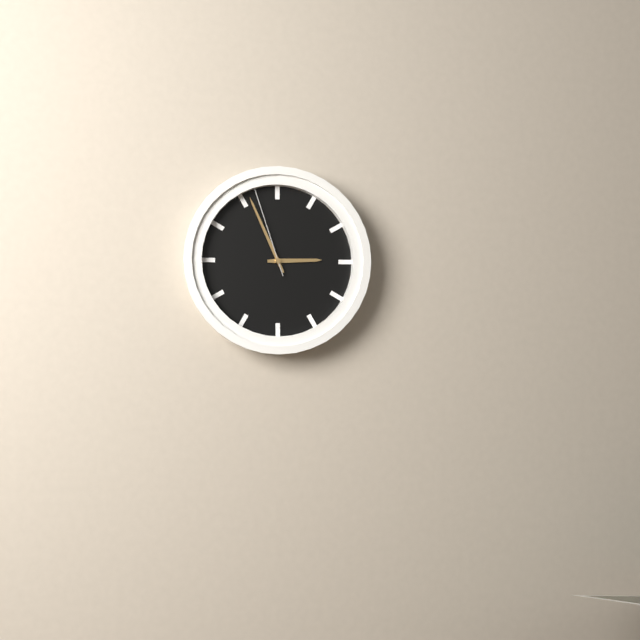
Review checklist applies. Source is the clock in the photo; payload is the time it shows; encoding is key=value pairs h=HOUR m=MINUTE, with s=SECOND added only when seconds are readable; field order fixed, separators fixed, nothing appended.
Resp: h=2 m=56 s=57
